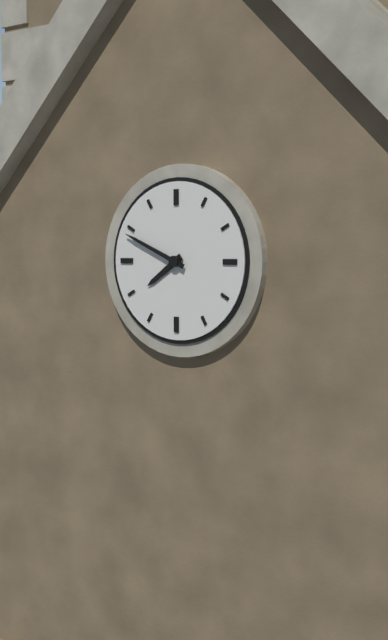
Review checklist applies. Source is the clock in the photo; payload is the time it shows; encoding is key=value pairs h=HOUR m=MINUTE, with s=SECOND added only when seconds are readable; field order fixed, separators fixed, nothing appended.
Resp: h=7 m=49
